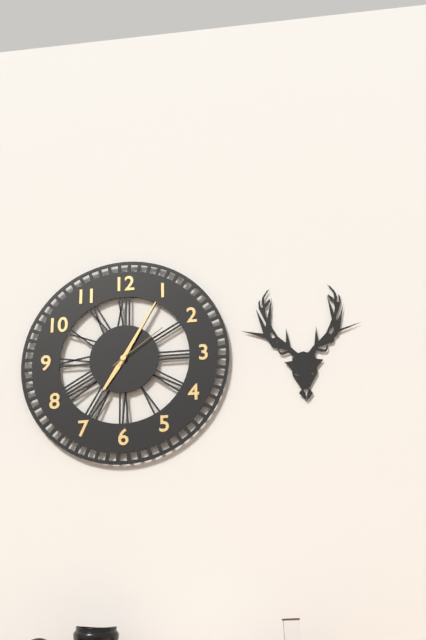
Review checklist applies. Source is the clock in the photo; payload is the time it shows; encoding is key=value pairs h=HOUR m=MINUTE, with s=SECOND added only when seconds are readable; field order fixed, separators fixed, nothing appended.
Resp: h=7 m=5 s=9
